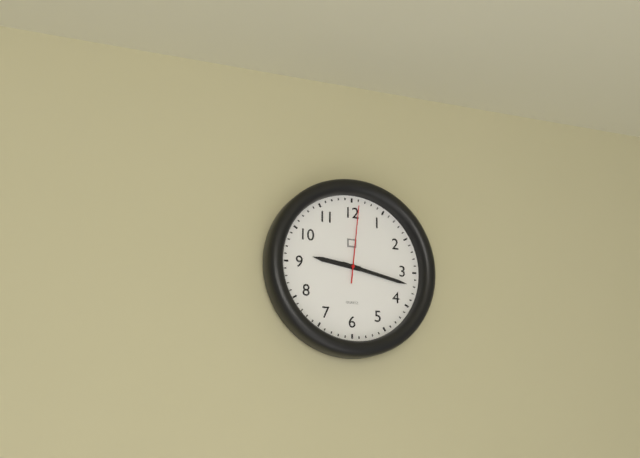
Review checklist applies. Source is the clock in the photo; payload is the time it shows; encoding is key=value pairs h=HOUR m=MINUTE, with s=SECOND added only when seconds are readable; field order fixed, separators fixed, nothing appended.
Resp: h=9 m=17 s=1
